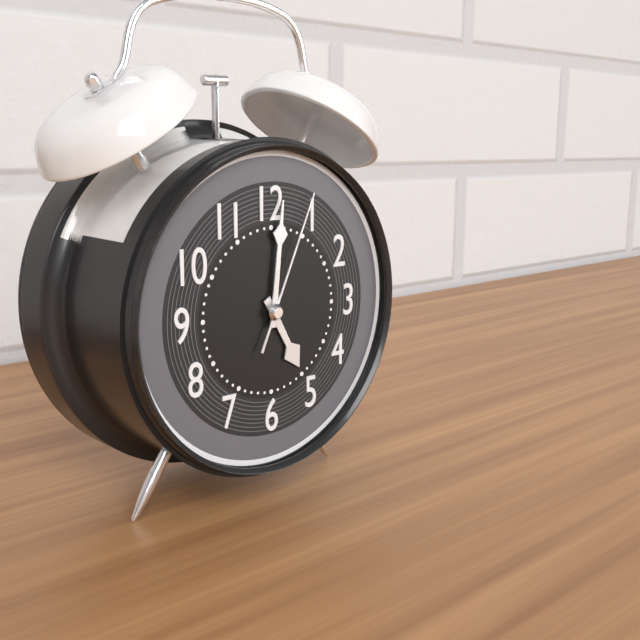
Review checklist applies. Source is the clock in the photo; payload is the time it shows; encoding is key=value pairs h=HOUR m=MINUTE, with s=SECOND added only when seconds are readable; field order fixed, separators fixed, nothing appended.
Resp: h=5 m=1 s=4
